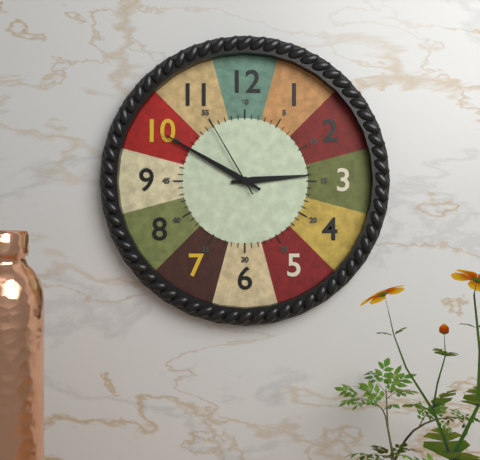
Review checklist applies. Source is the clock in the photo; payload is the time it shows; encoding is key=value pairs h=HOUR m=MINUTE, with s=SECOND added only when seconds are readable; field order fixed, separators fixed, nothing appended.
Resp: h=2 m=50 s=55
